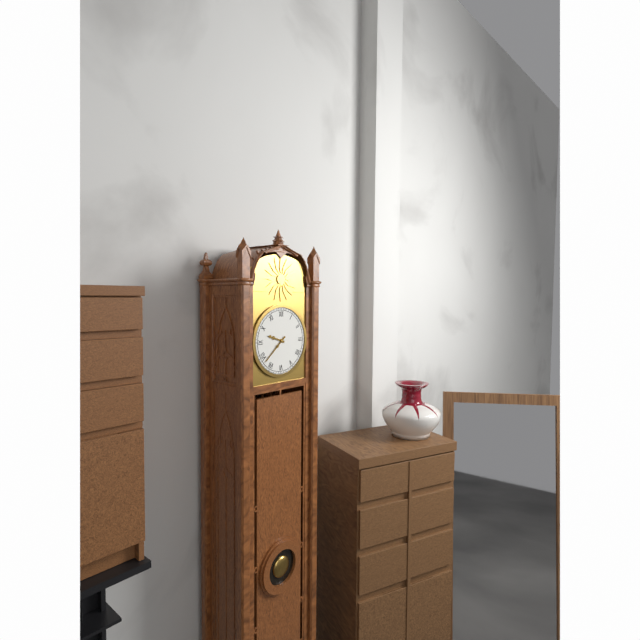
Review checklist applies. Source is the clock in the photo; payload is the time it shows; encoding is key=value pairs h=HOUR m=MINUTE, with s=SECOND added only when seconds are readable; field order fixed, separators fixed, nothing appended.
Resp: h=9 m=38
